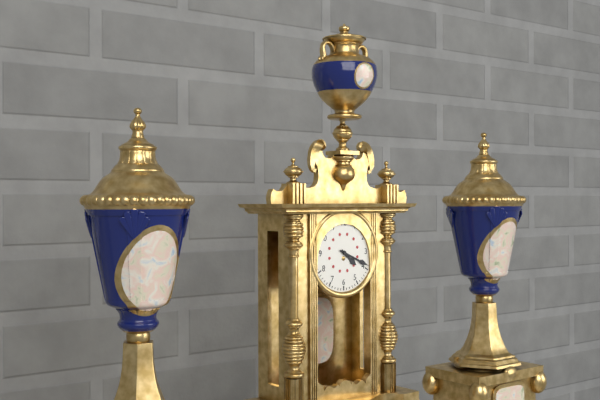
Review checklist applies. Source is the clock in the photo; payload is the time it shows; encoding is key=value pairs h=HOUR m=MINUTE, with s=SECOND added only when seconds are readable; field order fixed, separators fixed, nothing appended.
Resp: h=4 m=19
